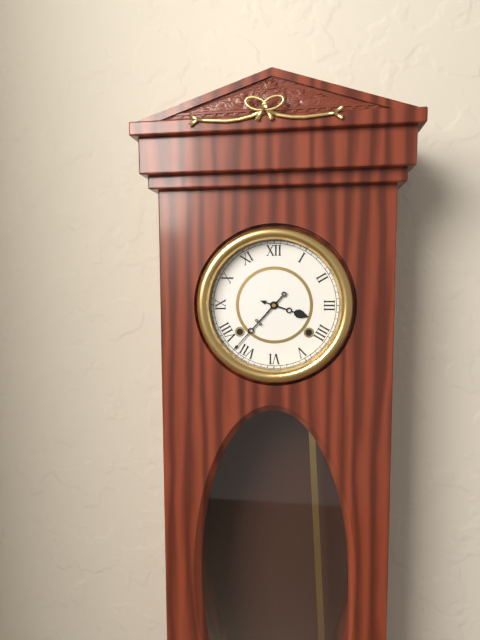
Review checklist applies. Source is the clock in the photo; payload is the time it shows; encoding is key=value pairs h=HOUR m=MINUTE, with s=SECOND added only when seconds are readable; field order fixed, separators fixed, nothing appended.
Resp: h=3 m=37
